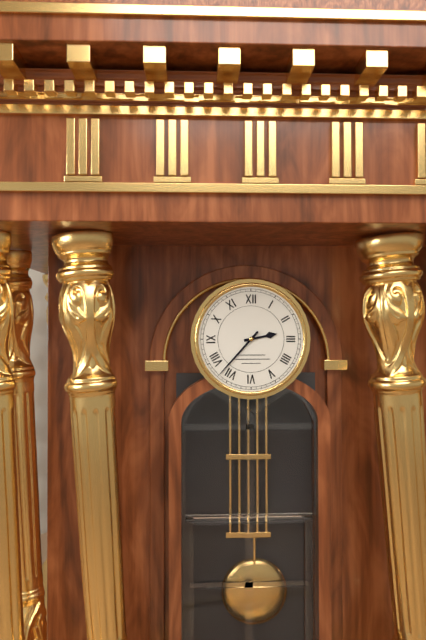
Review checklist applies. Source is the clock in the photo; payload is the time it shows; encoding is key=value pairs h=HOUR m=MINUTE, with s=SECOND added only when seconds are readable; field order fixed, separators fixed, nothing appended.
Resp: h=2 m=37
